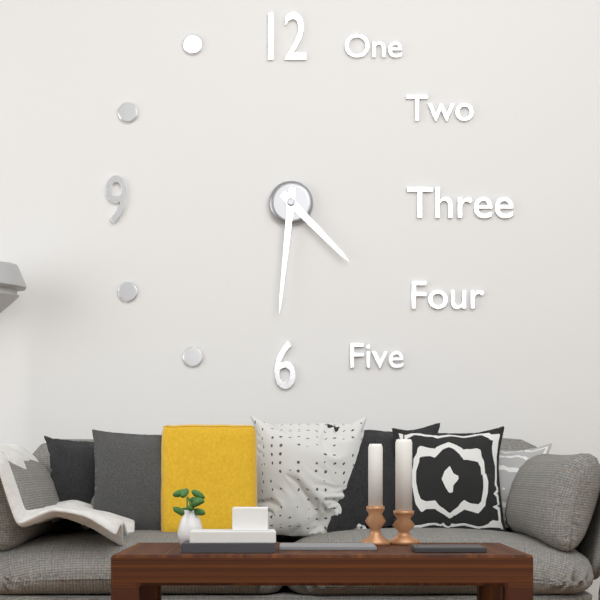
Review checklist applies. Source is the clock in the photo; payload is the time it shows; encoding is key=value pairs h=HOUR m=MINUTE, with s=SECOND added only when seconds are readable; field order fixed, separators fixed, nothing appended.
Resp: h=4 m=31
